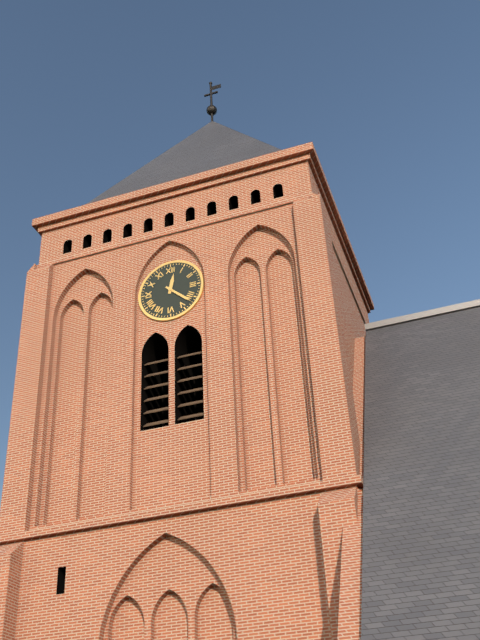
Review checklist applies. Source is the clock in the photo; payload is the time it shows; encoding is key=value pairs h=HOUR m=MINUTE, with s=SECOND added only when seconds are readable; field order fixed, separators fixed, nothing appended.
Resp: h=12 m=22
